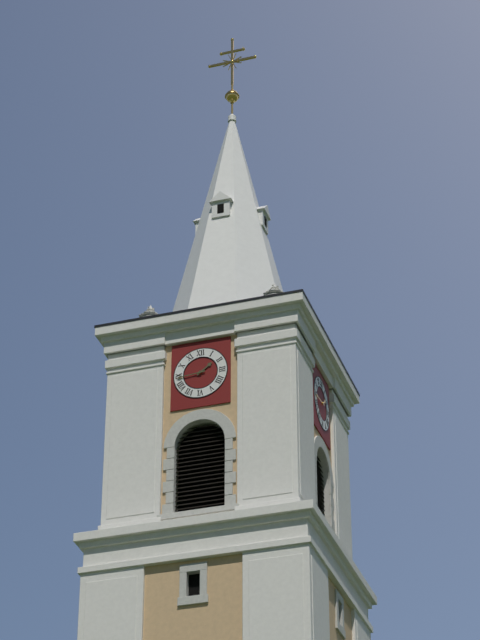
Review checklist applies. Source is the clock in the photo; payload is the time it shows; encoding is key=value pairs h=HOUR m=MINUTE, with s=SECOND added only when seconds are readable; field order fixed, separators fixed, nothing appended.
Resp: h=1 m=44
